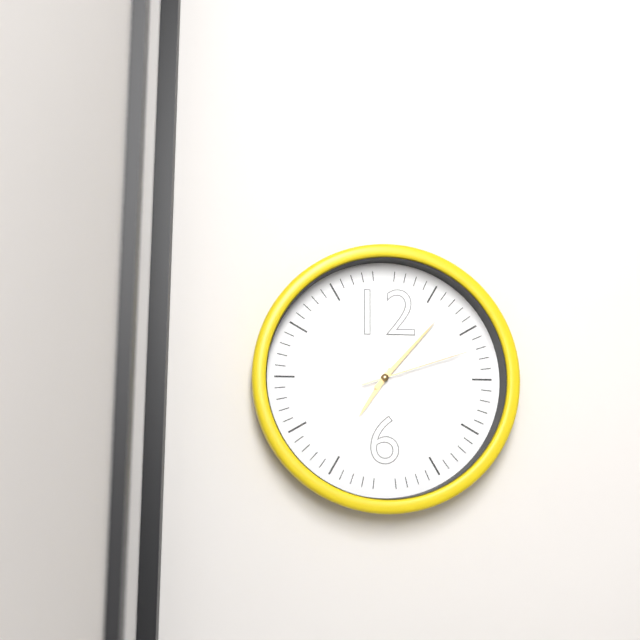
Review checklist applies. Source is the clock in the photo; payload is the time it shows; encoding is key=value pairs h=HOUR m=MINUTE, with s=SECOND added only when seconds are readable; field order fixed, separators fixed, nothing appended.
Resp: h=7 m=7 s=12
